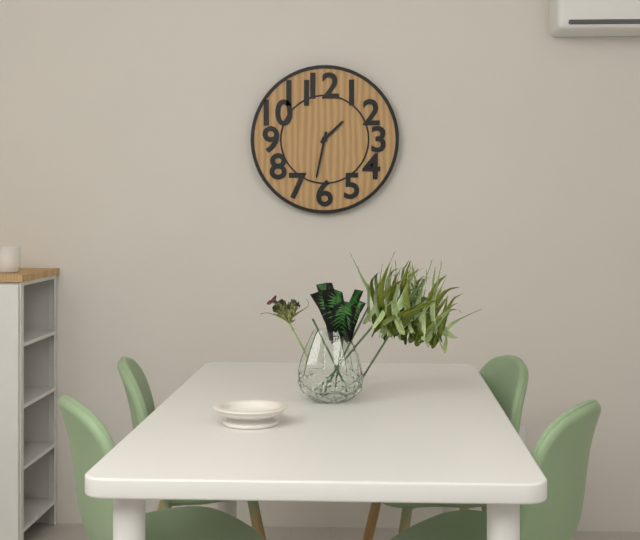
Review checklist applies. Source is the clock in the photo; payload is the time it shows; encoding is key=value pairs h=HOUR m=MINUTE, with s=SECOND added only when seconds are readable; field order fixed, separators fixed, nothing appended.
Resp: h=1 m=32
